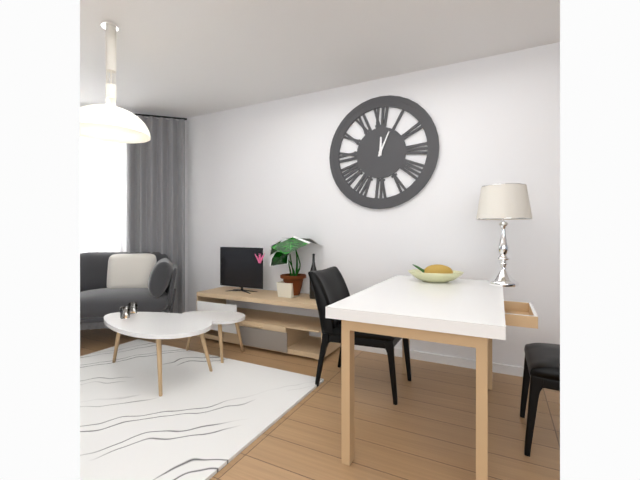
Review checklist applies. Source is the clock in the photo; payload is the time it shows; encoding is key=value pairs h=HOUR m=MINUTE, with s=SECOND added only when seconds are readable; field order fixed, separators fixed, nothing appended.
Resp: h=12 m=4
